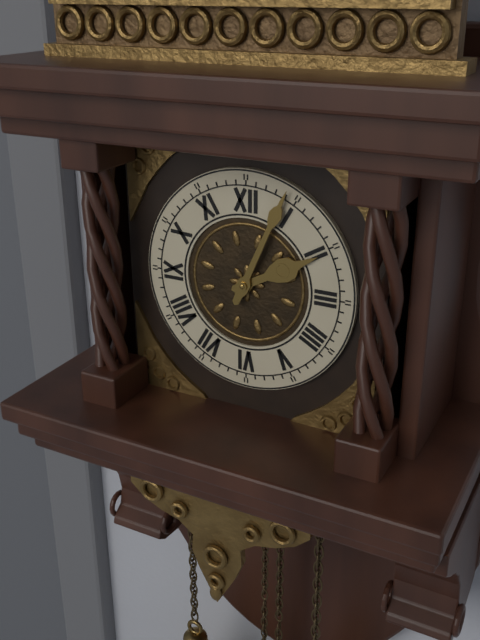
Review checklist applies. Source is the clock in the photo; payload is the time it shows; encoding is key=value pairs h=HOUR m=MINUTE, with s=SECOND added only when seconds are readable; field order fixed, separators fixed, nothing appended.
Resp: h=2 m=4
